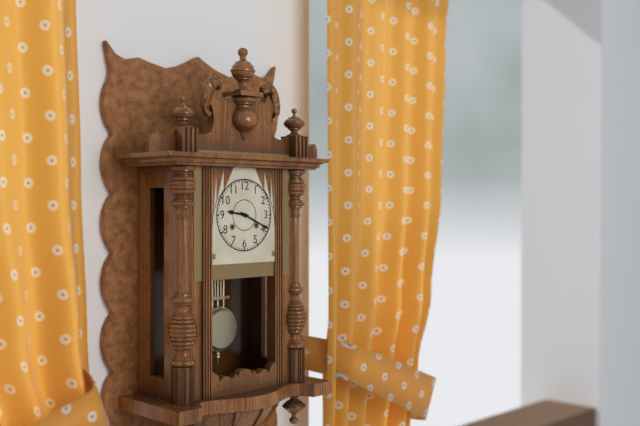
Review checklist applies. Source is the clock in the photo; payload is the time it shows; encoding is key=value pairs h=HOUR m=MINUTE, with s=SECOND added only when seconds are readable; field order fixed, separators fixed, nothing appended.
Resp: h=9 m=19
